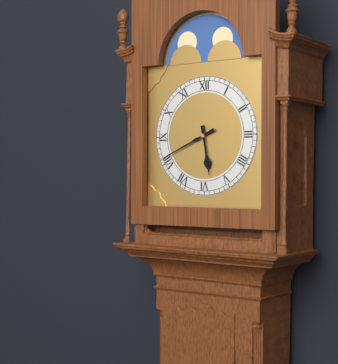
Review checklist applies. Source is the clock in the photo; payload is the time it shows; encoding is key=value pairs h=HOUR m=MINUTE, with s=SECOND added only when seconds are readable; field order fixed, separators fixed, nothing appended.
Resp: h=5 m=41
